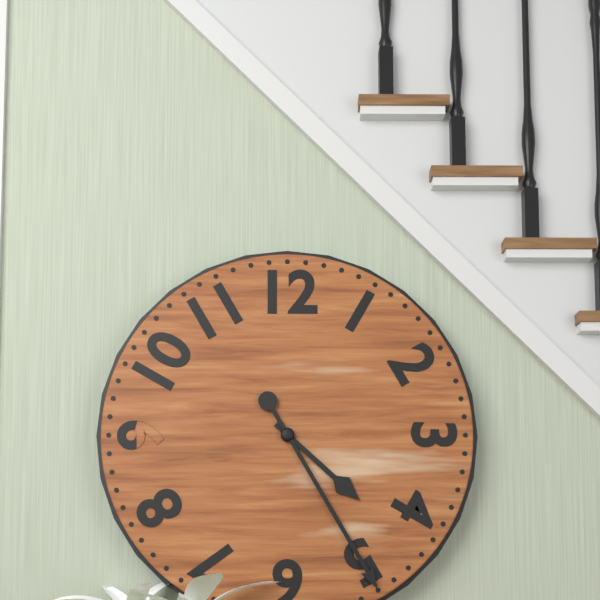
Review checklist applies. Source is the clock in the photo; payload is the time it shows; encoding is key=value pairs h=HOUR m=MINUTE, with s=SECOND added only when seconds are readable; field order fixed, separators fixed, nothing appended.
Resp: h=4 m=25
